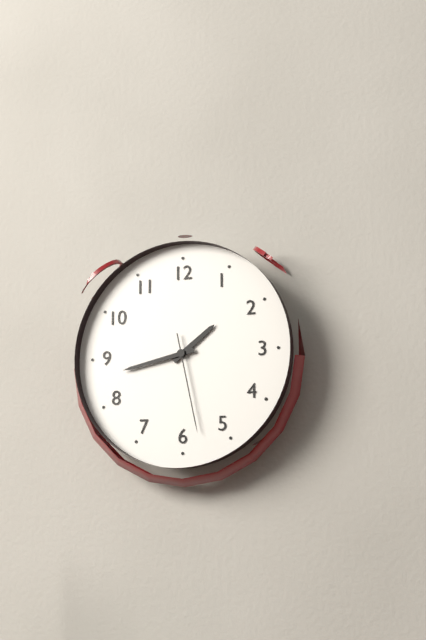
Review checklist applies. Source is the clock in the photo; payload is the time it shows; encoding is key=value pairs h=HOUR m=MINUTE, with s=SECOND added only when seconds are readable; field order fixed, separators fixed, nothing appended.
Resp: h=1 m=43 s=28
